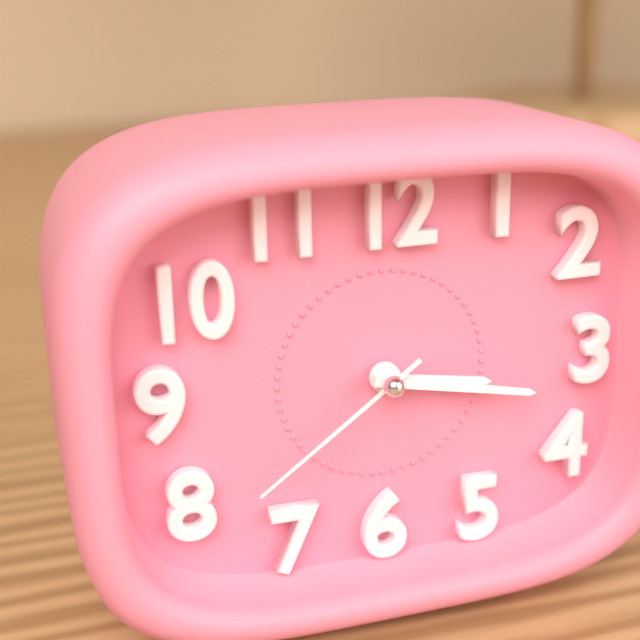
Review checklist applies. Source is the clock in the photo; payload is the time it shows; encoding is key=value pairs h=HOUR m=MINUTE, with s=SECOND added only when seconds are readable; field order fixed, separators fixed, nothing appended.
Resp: h=3 m=17 s=39
